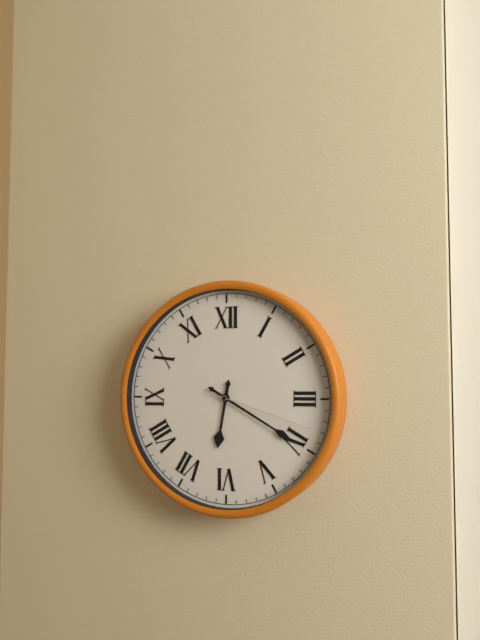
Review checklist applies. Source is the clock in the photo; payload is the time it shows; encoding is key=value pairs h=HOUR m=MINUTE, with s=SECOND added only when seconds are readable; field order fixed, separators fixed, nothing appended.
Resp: h=6 m=20 s=18
